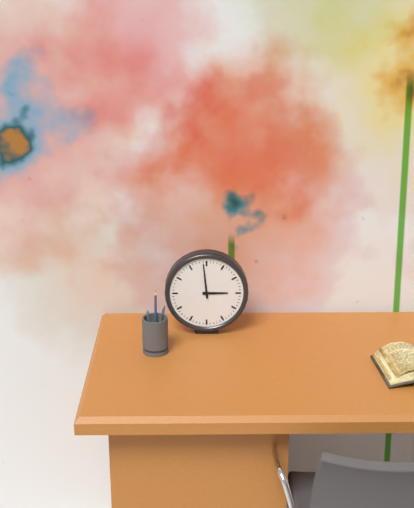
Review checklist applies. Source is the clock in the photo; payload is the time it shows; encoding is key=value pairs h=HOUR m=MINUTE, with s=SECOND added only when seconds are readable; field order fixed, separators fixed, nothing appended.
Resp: h=2 m=59
